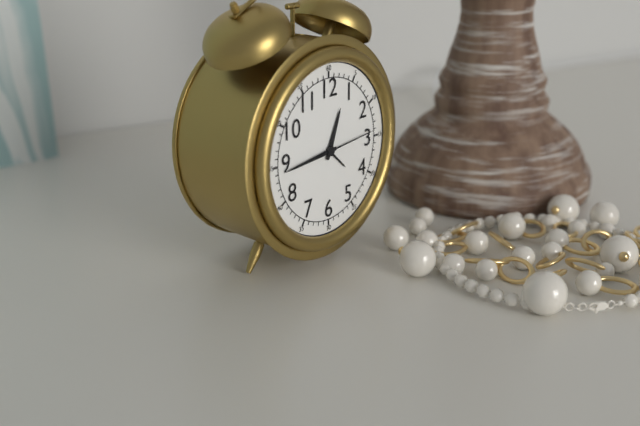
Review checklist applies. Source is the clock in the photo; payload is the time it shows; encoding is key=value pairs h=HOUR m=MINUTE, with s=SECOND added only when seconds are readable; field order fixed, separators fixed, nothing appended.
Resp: h=12 m=44 s=14
